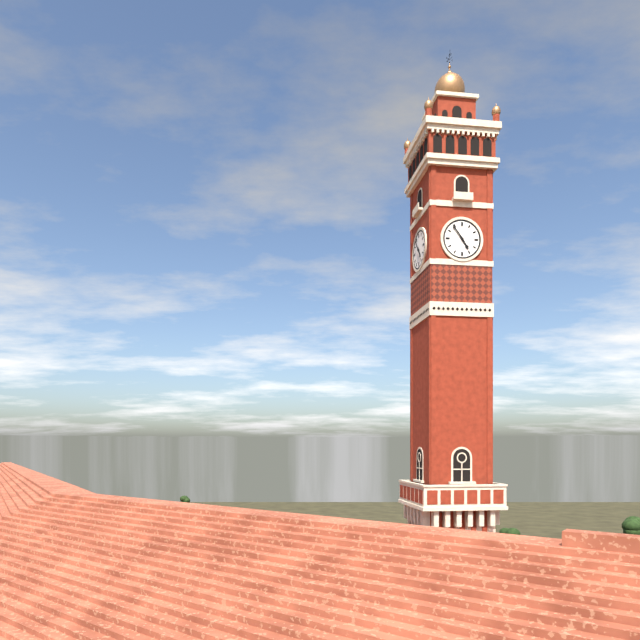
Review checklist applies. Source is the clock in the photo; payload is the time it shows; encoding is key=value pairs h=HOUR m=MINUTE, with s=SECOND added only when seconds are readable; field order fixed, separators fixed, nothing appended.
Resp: h=4 m=54
